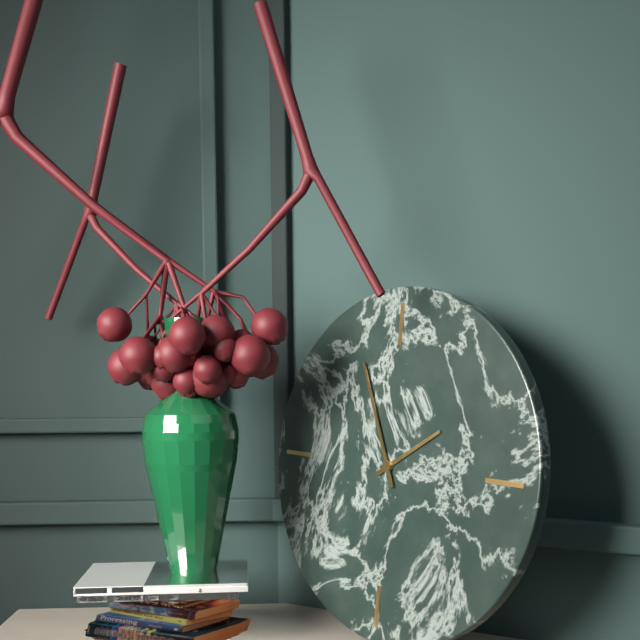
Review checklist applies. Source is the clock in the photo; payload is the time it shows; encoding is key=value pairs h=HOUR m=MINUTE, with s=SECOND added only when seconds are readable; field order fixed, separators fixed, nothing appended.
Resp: h=1 m=56
